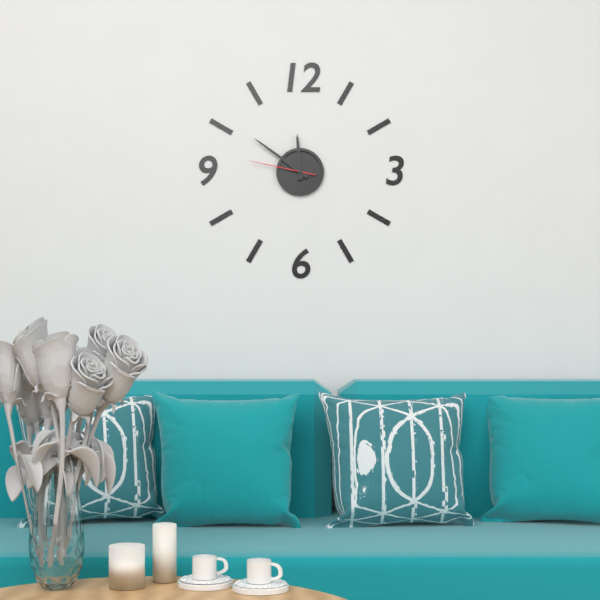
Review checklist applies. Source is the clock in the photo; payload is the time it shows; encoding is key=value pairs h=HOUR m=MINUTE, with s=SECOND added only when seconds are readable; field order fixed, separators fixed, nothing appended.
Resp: h=11 m=51 s=47
